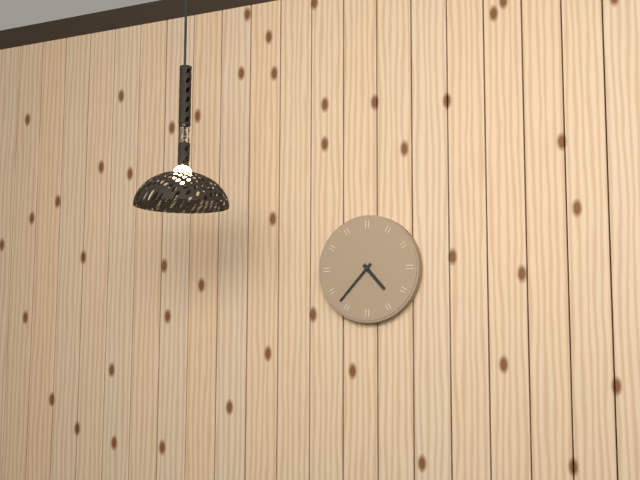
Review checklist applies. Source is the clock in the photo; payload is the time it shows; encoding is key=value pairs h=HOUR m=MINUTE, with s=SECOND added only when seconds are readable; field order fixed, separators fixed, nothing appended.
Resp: h=4 m=37
